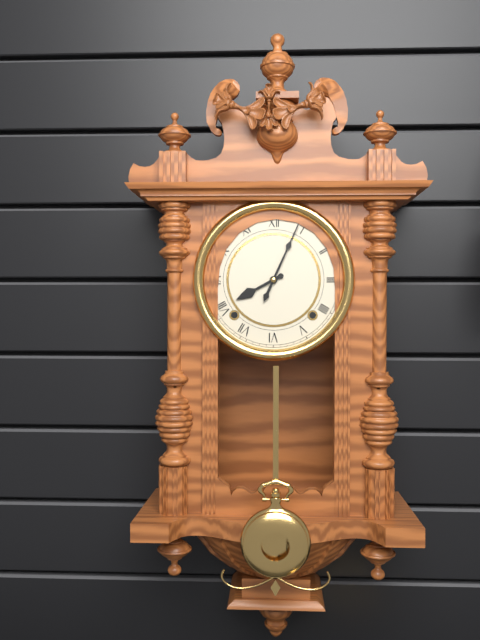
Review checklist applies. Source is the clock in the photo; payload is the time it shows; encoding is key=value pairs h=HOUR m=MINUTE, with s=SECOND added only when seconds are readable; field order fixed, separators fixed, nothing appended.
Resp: h=8 m=4
